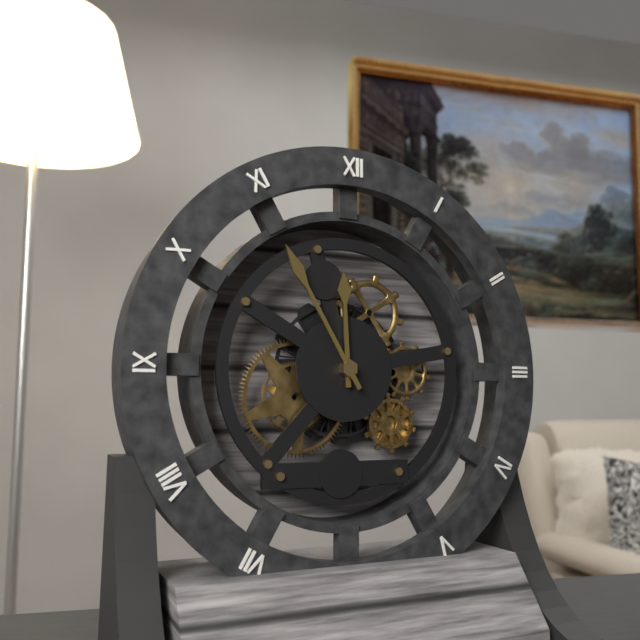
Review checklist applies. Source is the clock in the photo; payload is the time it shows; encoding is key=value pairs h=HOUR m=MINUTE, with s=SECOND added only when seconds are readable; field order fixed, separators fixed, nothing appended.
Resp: h=11 m=55
